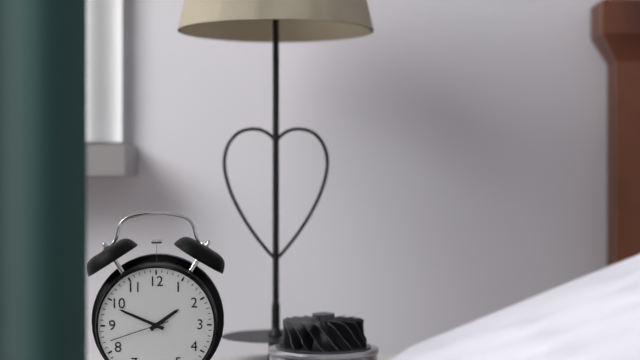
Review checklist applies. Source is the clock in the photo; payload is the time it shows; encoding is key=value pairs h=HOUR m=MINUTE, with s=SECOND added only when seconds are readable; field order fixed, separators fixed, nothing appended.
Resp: h=1 m=49 s=42
